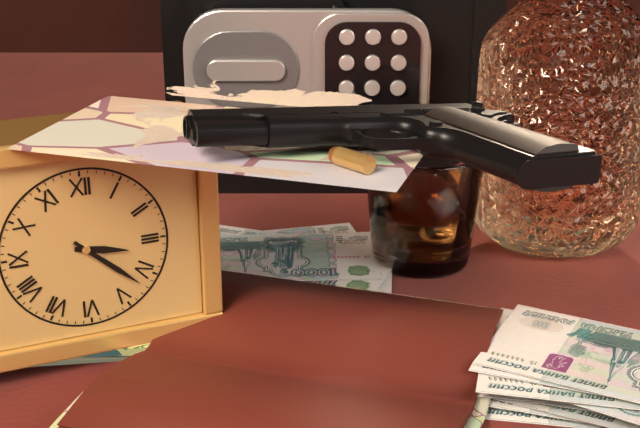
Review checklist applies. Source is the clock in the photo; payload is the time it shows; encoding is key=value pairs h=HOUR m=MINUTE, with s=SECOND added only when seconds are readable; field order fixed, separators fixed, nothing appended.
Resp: h=3 m=22
